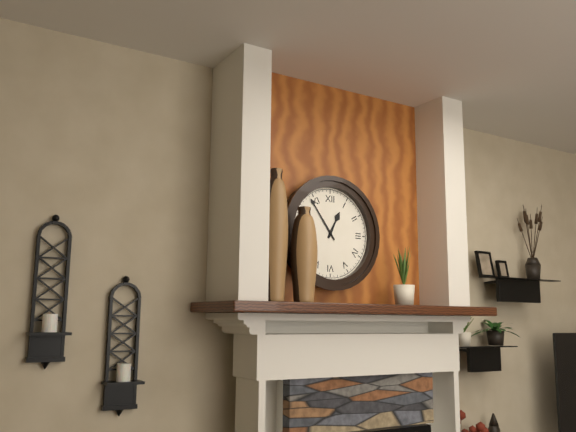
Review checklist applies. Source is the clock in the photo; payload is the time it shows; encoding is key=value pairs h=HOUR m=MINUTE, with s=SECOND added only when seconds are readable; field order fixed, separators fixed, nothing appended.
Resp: h=12 m=54
